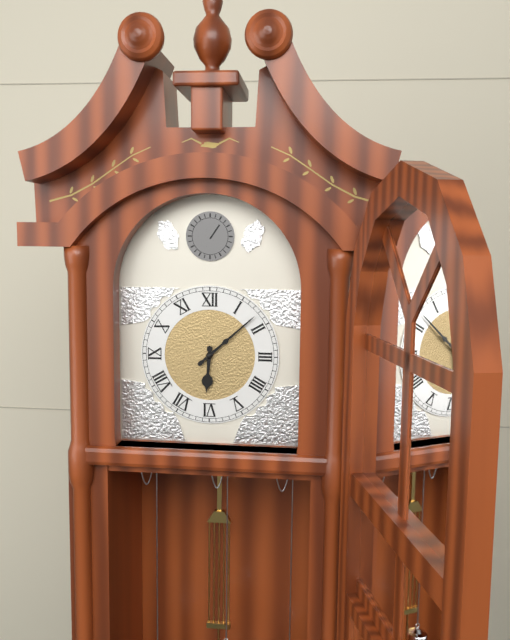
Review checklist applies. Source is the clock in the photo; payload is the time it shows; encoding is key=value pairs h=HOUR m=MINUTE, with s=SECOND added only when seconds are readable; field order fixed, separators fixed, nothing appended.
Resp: h=6 m=8
